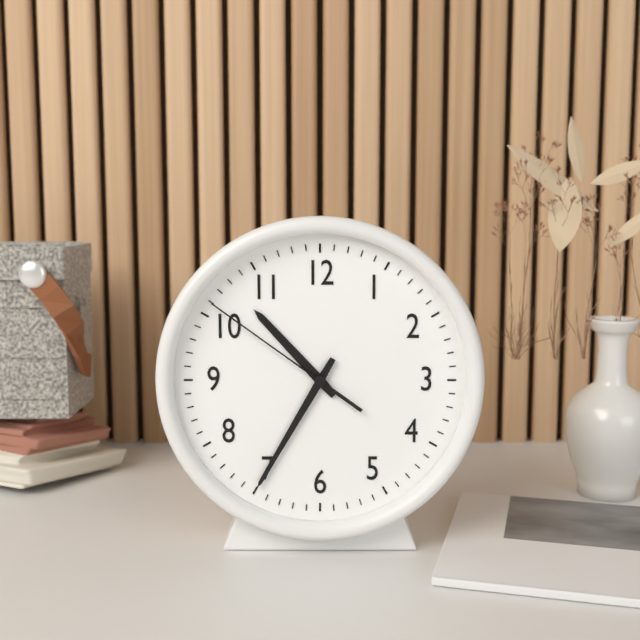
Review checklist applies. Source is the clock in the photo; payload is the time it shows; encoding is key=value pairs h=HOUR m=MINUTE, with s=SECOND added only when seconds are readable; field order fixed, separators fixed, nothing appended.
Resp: h=10 m=35 s=51
